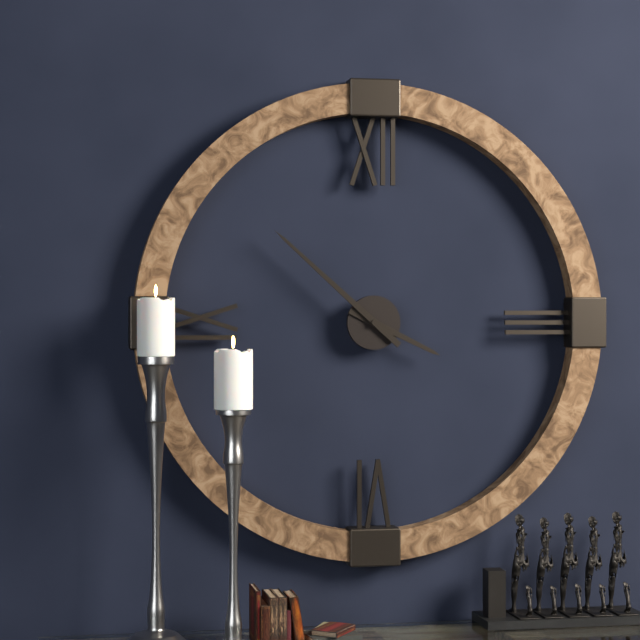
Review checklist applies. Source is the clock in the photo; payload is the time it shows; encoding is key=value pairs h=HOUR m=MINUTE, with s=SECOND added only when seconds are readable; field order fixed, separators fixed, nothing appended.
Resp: h=3 m=52
